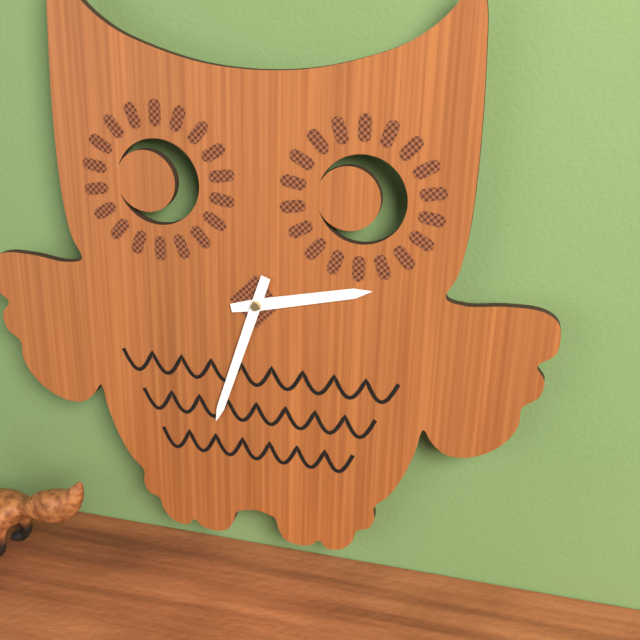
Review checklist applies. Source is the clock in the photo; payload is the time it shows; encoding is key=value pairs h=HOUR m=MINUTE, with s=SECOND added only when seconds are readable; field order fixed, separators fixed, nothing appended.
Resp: h=2 m=33
